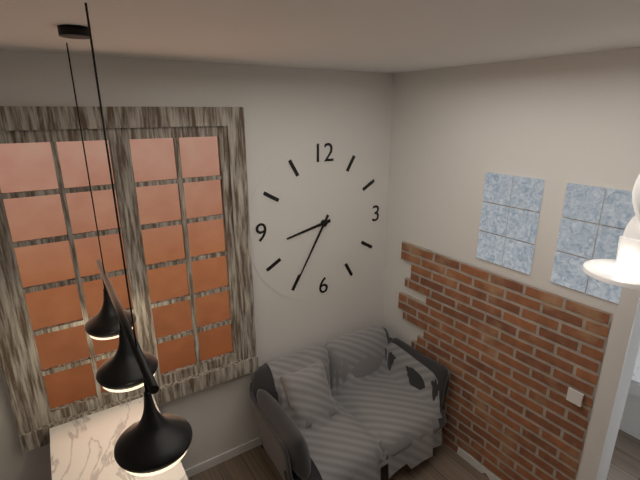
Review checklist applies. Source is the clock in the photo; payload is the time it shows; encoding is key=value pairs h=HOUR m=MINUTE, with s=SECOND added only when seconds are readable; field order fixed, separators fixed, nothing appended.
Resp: h=8 m=35
